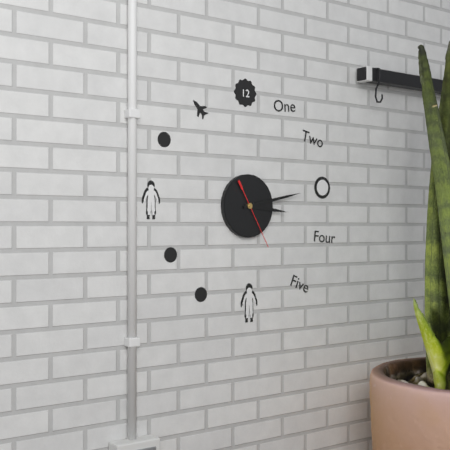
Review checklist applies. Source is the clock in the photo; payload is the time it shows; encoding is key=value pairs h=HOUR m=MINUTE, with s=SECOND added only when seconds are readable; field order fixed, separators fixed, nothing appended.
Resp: h=3 m=13 s=25
